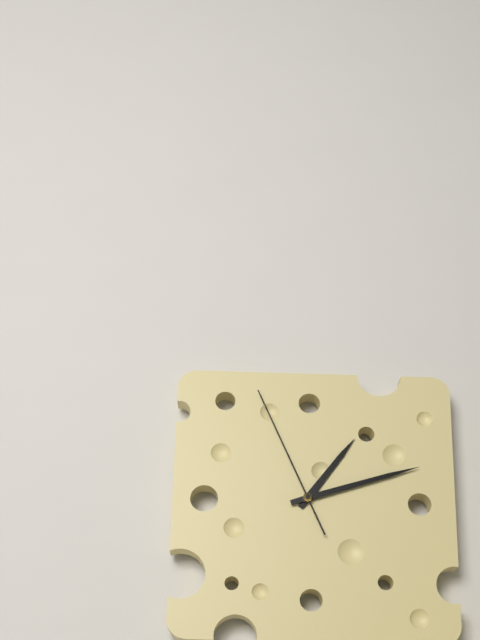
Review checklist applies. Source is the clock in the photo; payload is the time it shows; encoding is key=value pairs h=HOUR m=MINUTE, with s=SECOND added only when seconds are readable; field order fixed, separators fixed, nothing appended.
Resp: h=1 m=12 s=56
